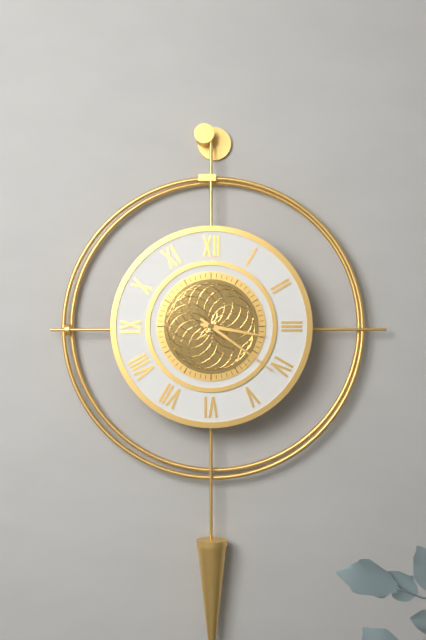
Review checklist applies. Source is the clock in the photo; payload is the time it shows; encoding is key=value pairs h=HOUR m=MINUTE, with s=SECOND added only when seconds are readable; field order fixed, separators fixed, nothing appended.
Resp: h=3 m=21
